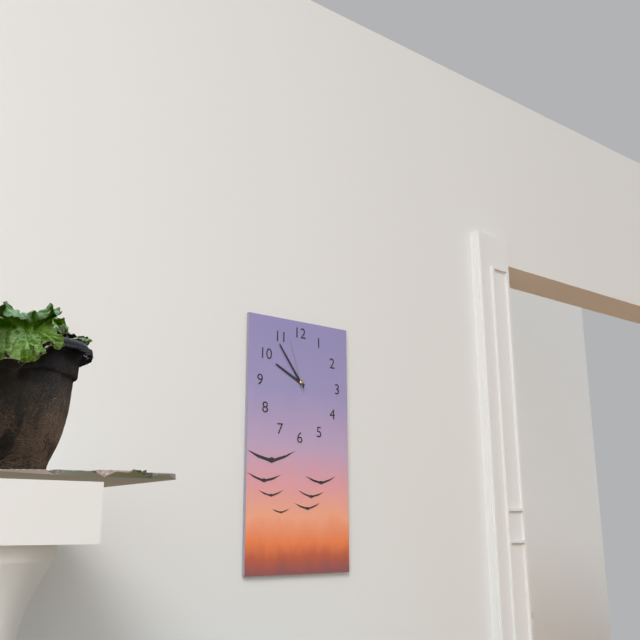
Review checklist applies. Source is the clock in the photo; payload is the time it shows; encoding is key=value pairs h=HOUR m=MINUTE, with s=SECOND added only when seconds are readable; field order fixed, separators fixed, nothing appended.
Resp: h=9 m=54 s=57
